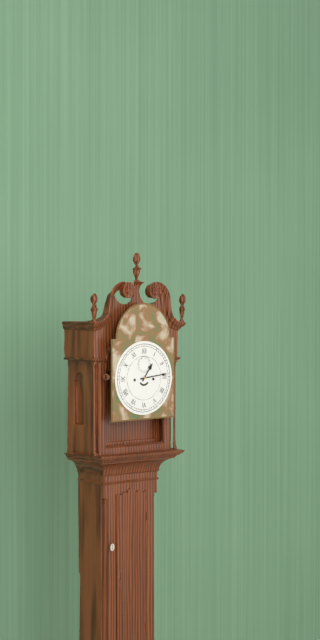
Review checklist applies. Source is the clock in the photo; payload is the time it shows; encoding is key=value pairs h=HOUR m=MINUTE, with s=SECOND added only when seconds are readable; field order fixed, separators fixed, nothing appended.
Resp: h=1 m=14
